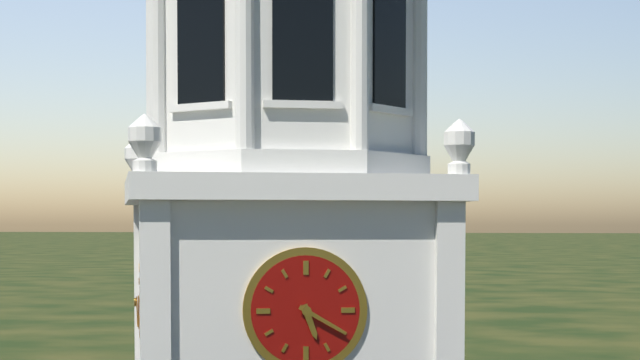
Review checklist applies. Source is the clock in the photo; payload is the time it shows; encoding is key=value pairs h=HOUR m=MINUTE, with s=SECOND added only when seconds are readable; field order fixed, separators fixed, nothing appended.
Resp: h=5 m=20
